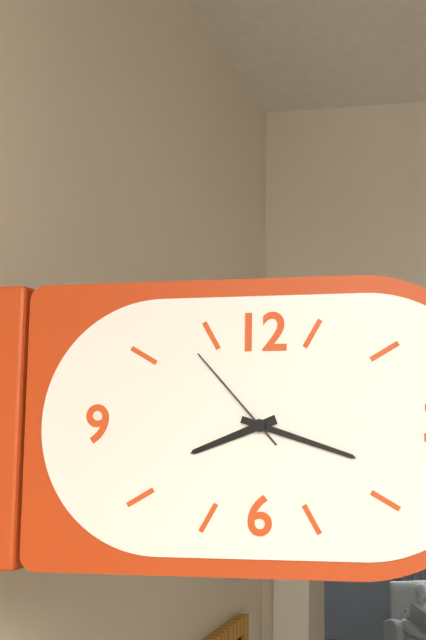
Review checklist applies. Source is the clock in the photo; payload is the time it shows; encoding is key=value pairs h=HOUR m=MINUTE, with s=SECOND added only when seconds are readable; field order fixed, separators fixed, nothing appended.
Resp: h=8 m=18 s=53
